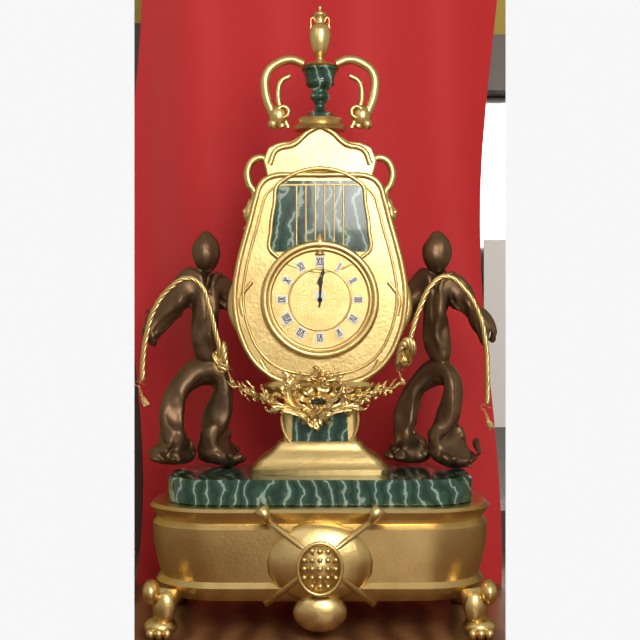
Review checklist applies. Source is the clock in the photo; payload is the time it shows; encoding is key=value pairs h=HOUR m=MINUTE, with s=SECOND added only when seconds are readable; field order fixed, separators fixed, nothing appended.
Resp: h=12 m=1
